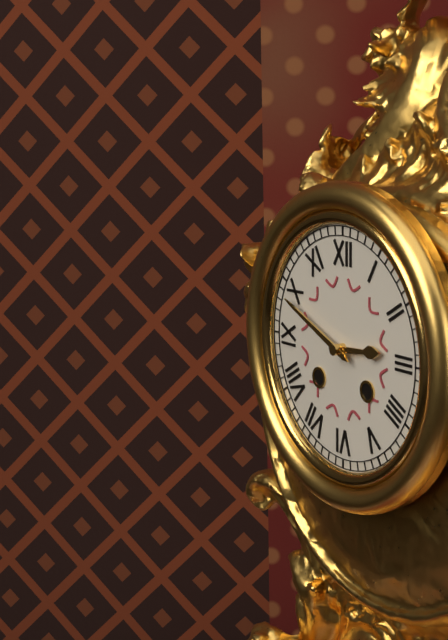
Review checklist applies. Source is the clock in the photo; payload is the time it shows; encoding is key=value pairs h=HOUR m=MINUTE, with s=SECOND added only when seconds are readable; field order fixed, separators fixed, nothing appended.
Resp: h=2 m=49
